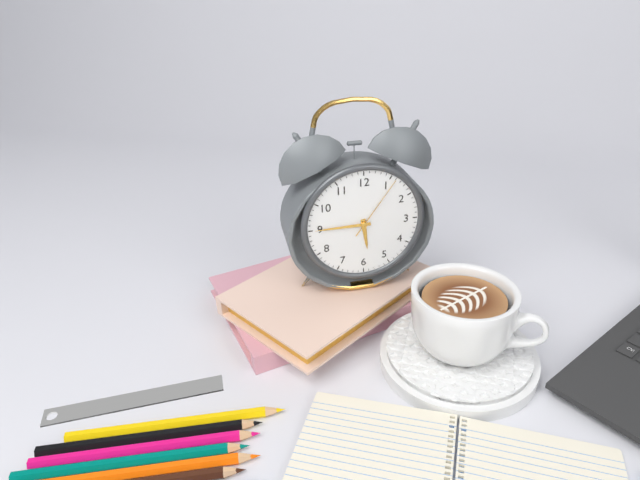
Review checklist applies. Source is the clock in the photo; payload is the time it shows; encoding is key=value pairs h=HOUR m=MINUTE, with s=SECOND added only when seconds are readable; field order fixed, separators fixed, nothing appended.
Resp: h=5 m=45 s=6
